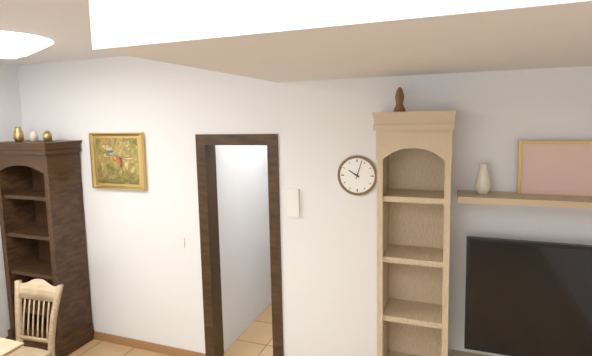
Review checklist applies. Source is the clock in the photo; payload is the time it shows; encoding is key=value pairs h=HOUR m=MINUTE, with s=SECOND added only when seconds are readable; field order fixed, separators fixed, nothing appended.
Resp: h=10 m=3
